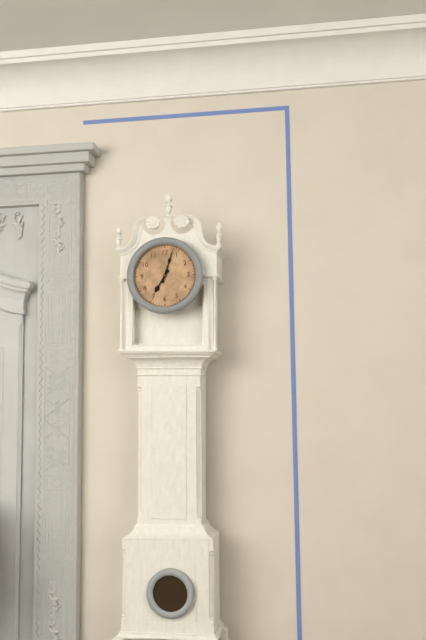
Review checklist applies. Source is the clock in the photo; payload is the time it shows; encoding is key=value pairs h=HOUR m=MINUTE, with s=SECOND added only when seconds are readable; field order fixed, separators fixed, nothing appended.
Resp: h=7 m=3
